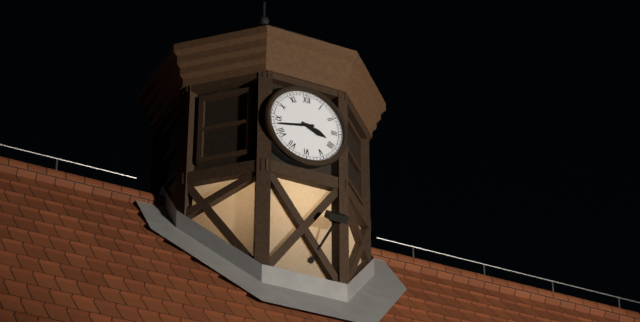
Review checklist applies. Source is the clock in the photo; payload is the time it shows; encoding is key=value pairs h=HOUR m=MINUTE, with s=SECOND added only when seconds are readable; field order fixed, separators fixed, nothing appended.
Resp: h=3 m=43
